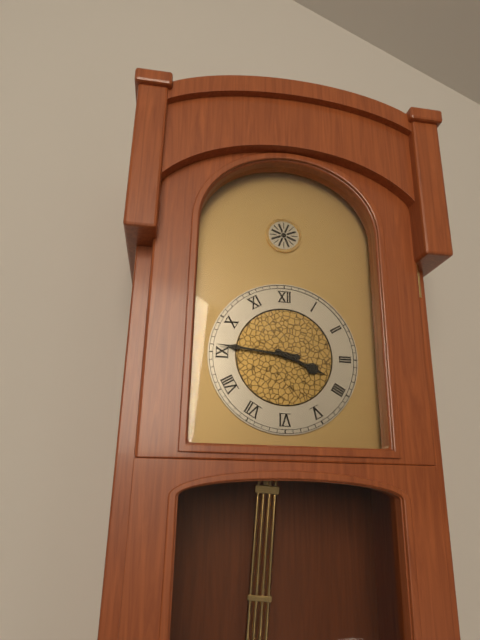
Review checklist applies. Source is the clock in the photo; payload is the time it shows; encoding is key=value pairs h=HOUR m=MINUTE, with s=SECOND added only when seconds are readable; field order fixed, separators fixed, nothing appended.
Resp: h=3 m=46
